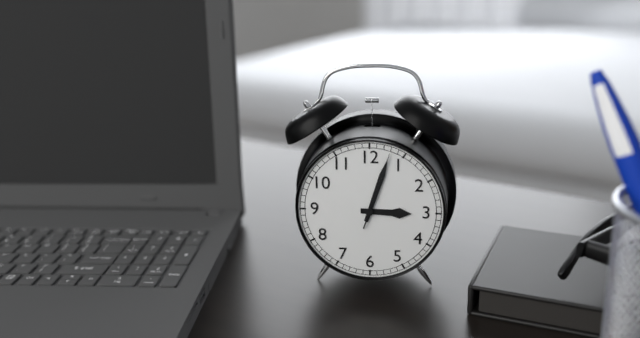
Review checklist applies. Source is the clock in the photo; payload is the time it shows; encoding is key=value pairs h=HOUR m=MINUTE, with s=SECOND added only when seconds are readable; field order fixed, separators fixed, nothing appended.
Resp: h=3 m=3 s=3
